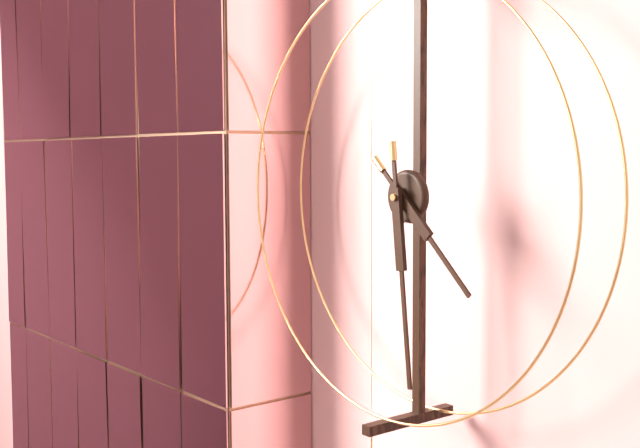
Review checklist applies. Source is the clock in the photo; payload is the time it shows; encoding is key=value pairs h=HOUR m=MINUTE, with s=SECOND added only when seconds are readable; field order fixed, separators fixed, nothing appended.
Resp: h=4 m=29
